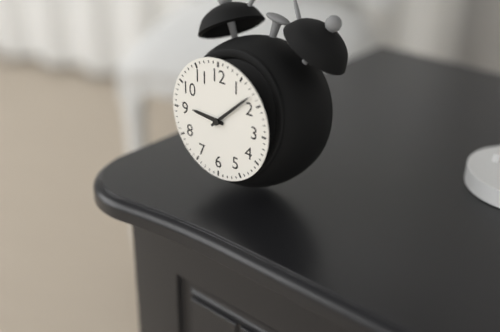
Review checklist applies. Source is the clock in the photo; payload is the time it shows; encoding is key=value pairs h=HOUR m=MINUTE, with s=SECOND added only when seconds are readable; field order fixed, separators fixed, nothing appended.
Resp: h=9 m=8
